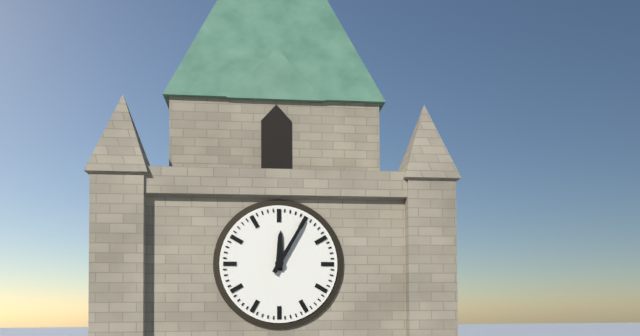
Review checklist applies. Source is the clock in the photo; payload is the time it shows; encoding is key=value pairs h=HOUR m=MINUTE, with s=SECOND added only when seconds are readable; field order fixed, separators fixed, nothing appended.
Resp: h=12 m=5
